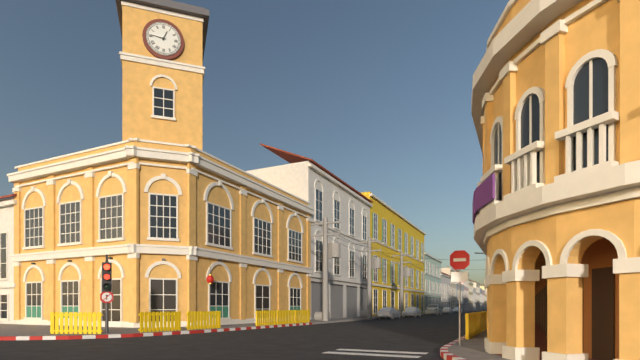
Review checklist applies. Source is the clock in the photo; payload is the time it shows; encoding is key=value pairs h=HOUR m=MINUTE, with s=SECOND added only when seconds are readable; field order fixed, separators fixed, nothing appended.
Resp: h=12 m=46
